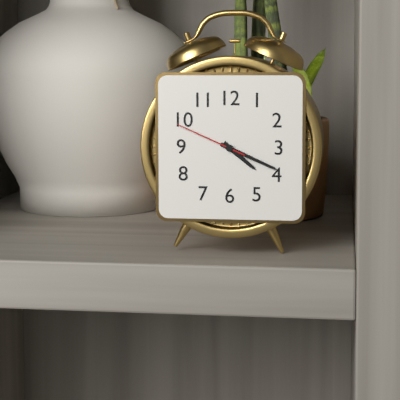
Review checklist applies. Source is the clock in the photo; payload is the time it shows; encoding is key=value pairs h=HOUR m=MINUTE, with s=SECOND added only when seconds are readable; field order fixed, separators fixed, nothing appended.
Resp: h=4 m=19 s=49
